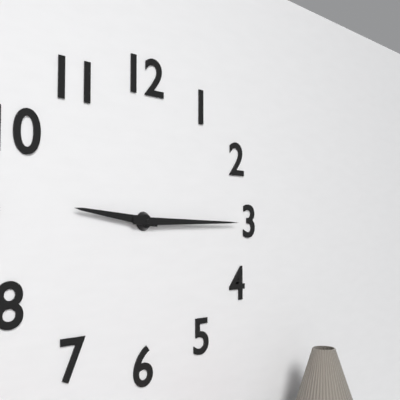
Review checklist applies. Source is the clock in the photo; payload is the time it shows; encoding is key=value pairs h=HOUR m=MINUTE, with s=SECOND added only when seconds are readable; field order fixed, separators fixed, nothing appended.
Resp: h=9 m=15
